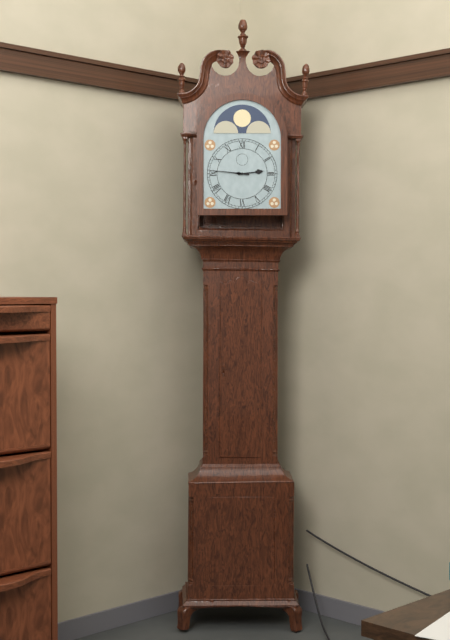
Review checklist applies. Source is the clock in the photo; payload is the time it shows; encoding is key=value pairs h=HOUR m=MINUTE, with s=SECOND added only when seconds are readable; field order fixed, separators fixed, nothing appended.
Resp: h=2 m=46
